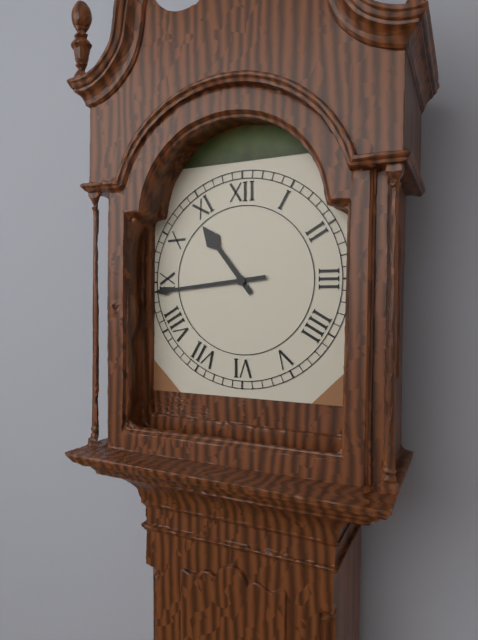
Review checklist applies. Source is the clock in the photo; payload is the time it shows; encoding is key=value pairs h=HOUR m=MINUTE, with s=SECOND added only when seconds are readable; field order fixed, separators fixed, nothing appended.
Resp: h=10 m=44
